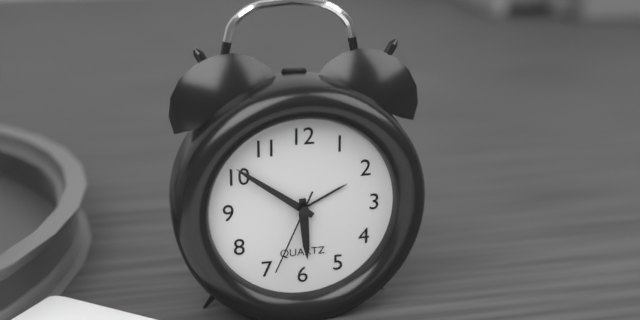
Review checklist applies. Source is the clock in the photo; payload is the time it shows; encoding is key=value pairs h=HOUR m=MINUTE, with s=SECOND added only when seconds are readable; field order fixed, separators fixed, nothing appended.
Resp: h=5 m=51 s=34
